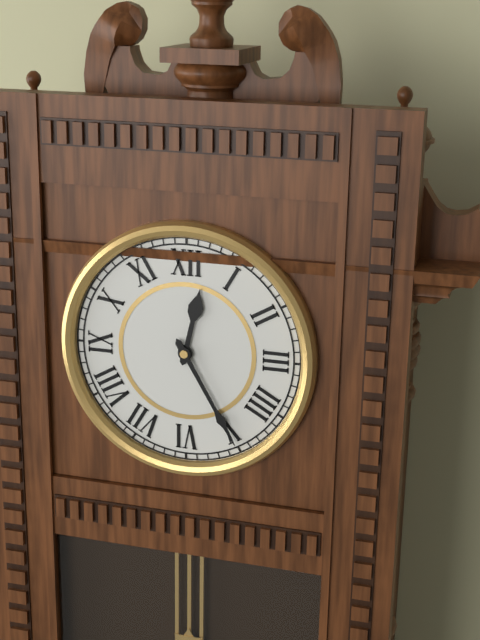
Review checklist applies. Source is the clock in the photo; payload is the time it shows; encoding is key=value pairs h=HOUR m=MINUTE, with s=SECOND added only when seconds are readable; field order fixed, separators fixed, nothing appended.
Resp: h=12 m=25
